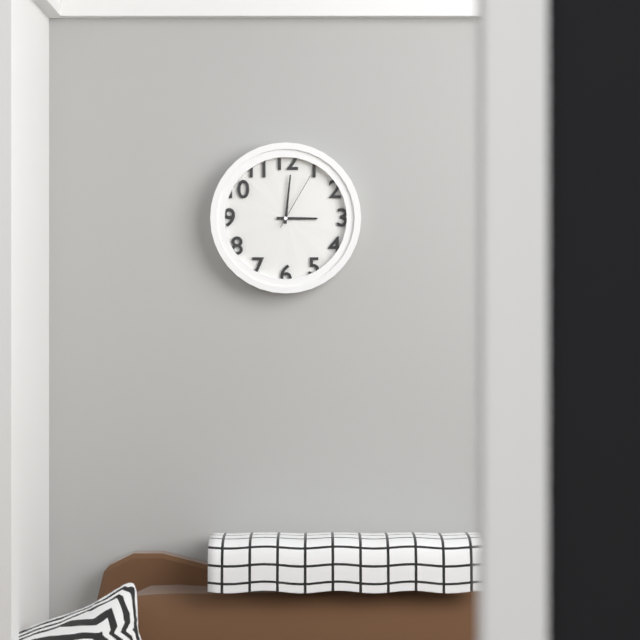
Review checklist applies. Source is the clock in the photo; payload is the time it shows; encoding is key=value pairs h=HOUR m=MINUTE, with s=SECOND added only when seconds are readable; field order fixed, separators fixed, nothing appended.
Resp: h=3 m=1 s=5
